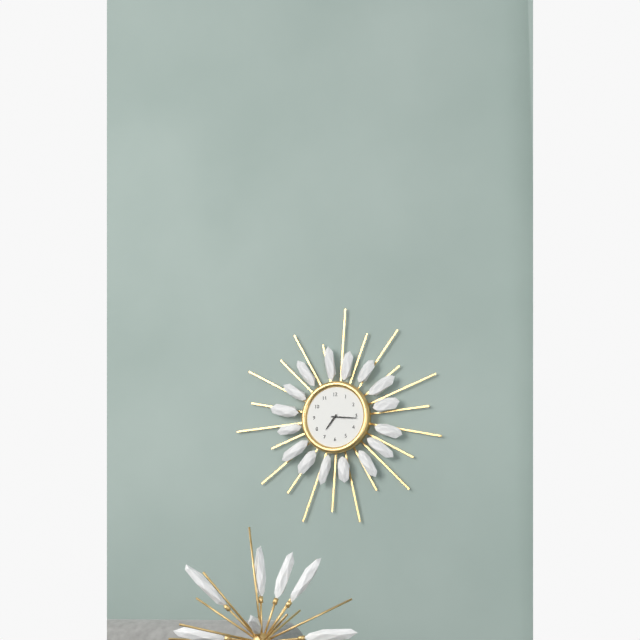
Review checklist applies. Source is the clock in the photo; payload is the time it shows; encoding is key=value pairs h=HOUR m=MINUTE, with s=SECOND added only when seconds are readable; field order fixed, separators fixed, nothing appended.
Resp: h=7 m=16
